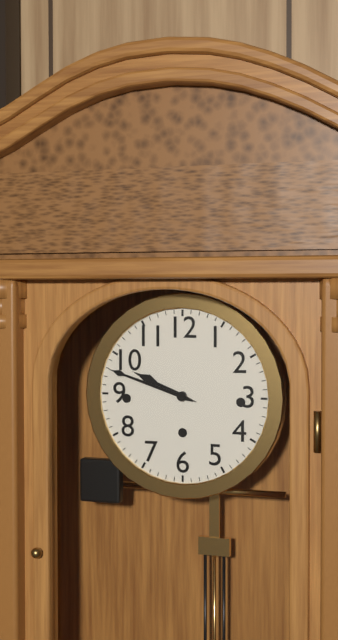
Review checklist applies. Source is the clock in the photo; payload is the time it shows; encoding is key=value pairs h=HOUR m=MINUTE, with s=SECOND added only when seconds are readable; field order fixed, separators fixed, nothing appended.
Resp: h=9 m=48
